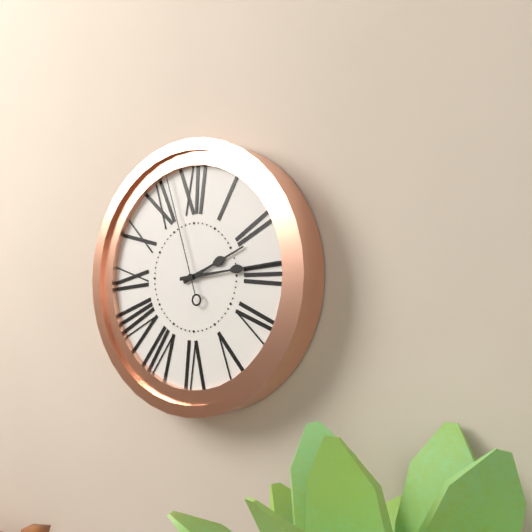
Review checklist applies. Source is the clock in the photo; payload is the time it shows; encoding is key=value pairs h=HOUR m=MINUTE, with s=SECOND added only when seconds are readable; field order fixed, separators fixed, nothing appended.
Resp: h=2 m=14 s=57
